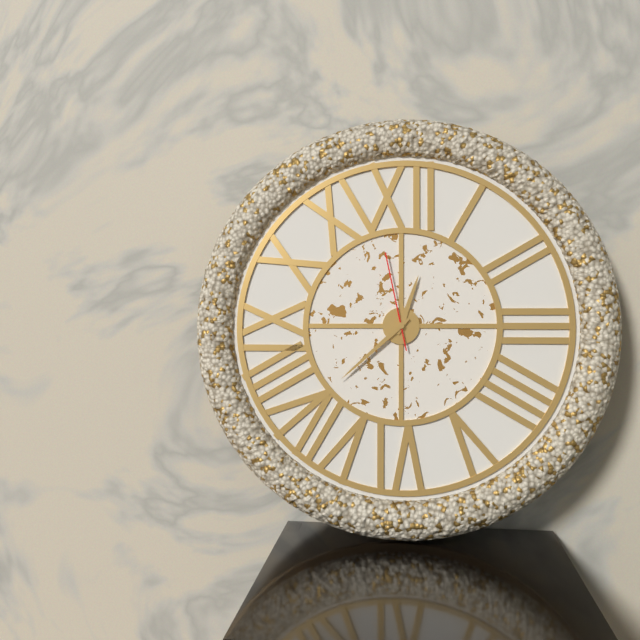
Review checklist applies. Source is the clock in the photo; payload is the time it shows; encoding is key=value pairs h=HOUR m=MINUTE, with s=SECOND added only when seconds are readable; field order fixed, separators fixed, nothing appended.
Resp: h=12 m=38 s=58
